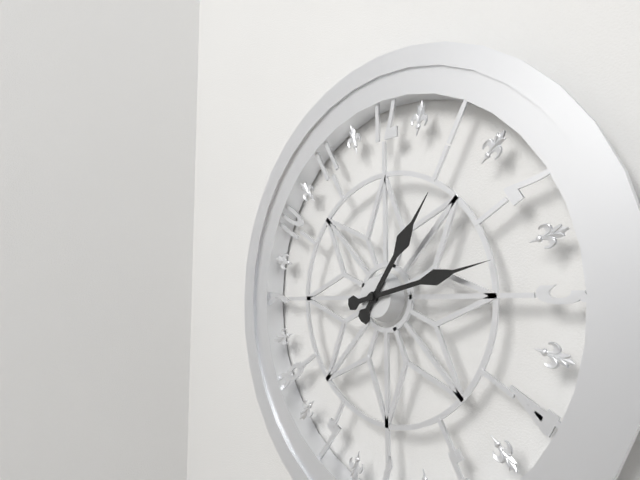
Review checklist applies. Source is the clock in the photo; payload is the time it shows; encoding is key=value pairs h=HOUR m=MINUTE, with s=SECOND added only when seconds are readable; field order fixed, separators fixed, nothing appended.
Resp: h=1 m=13
